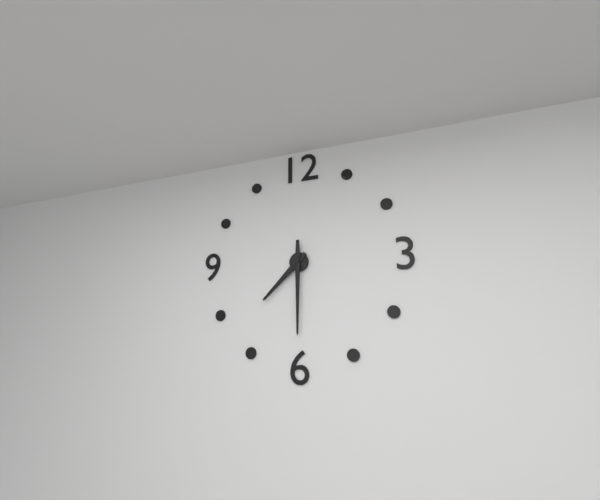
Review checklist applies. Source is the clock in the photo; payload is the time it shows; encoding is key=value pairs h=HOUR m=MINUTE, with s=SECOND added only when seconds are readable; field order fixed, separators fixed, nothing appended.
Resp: h=7 m=30
